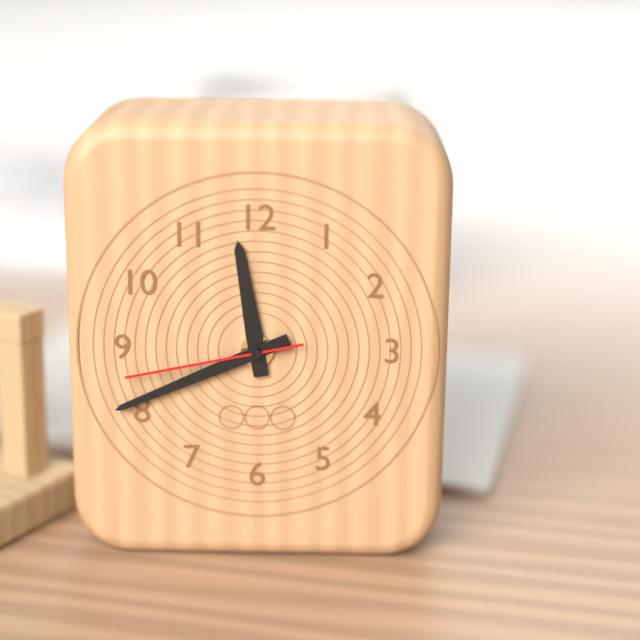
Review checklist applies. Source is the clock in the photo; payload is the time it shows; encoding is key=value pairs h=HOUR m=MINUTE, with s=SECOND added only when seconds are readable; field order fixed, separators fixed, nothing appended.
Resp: h=11 m=41 s=43
